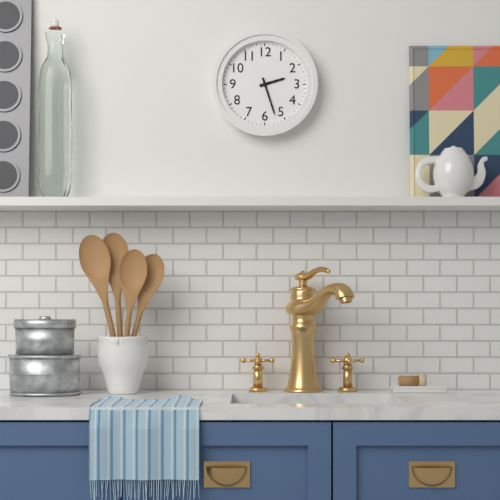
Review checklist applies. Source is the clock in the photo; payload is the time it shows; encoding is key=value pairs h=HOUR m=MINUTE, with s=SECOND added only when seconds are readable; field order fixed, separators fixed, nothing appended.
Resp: h=2 m=27
